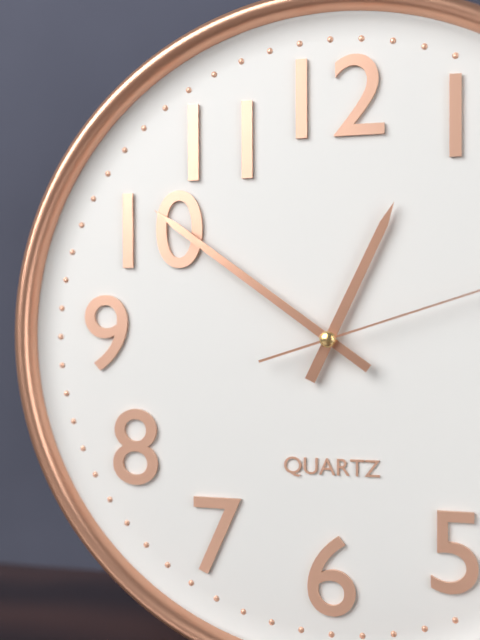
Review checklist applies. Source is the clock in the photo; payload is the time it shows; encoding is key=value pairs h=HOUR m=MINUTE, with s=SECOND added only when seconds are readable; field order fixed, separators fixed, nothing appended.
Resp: h=12 m=51
